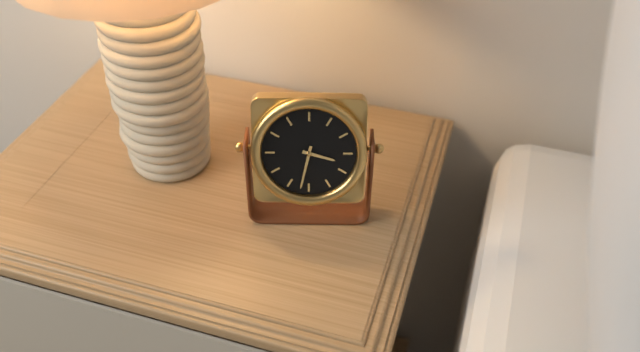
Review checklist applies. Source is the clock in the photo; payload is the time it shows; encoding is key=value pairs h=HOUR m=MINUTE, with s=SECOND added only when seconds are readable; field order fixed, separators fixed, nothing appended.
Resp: h=3 m=32
